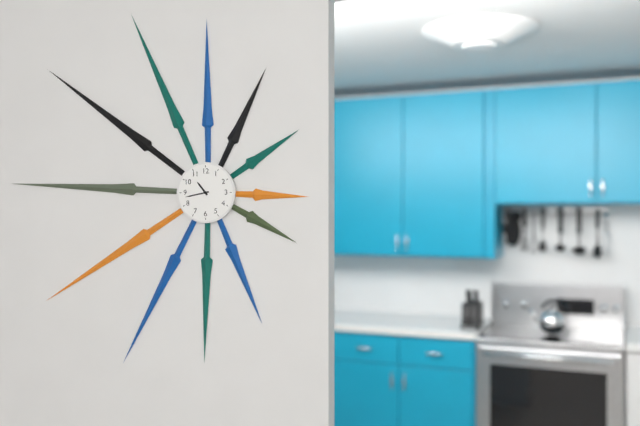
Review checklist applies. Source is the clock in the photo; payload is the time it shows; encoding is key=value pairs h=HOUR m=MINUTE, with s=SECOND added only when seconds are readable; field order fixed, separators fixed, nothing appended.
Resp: h=10 m=43
